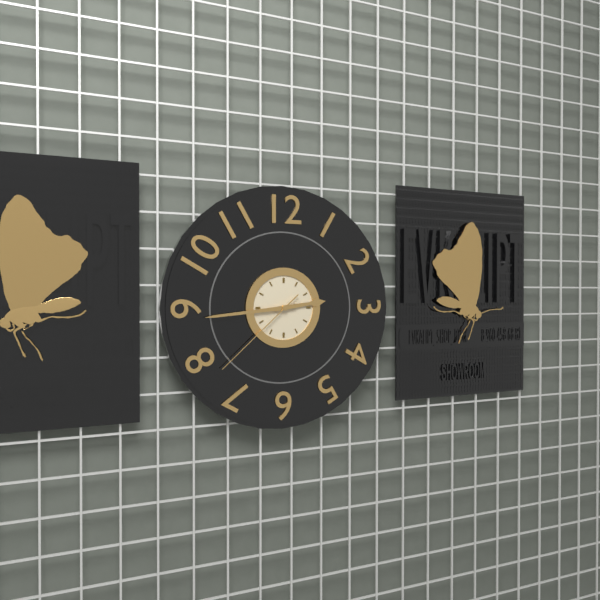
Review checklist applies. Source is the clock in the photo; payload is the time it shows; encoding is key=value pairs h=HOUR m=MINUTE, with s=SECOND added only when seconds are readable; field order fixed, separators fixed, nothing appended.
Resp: h=2 m=44 s=38
